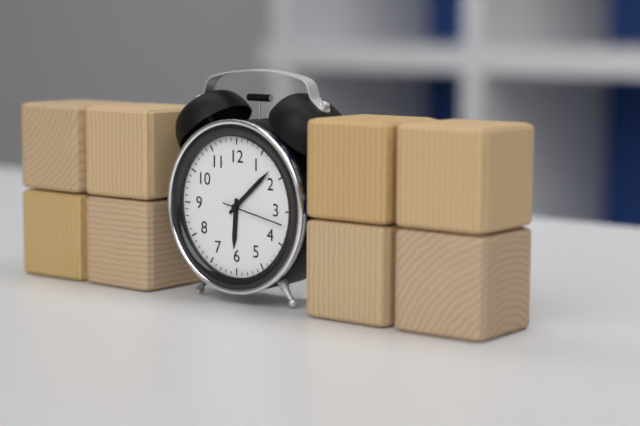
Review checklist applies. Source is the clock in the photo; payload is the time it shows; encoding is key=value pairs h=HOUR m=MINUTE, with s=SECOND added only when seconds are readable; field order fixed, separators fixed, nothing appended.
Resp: h=6 m=8 s=17
